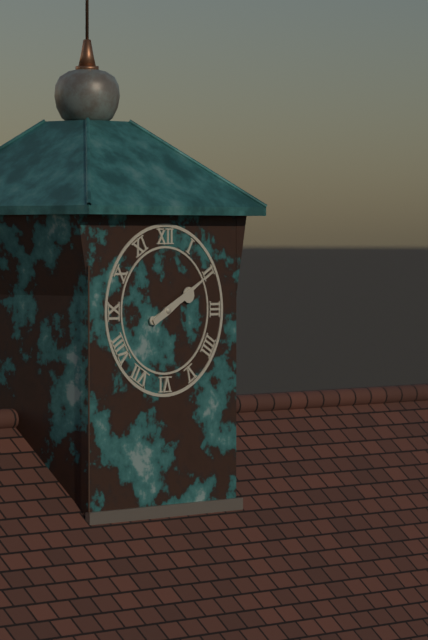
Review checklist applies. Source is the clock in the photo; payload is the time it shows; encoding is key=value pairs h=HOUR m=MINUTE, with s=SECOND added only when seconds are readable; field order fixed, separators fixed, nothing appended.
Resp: h=2 m=10
